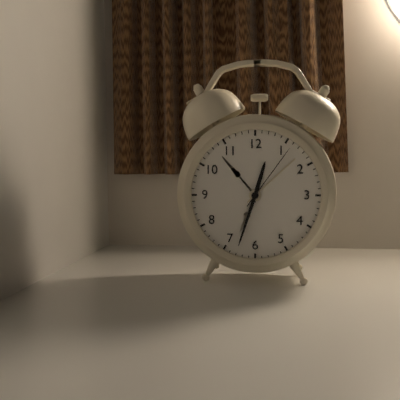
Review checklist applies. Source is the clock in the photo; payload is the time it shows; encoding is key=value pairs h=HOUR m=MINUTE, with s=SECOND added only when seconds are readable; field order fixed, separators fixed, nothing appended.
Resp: h=12 m=33 s=6
